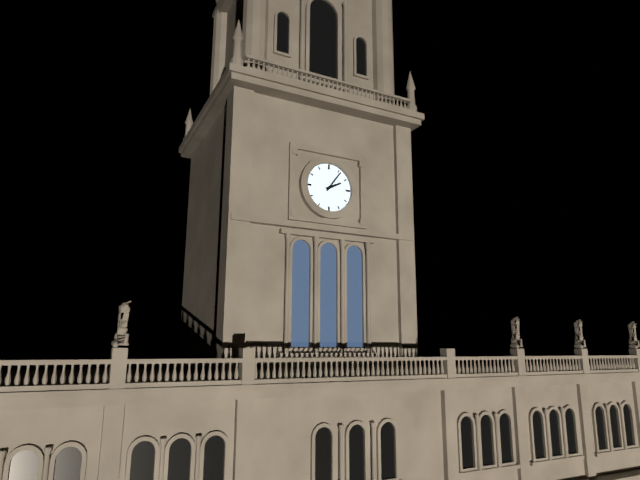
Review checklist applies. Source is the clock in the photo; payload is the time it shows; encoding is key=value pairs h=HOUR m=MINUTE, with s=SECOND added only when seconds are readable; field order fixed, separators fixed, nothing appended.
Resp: h=2 m=6
